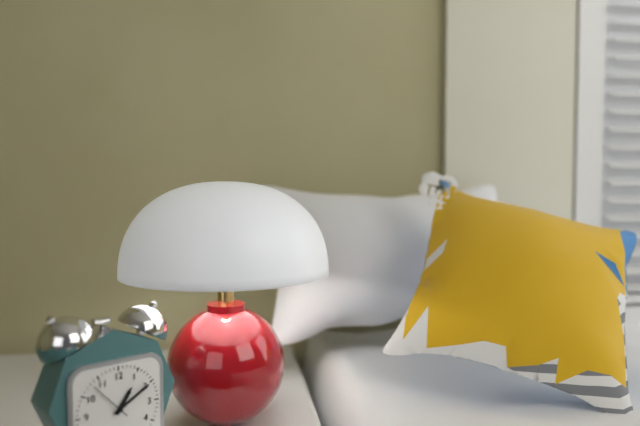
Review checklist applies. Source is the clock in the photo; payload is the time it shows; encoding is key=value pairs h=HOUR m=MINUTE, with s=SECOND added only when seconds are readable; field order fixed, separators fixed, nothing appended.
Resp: h=1 m=10
